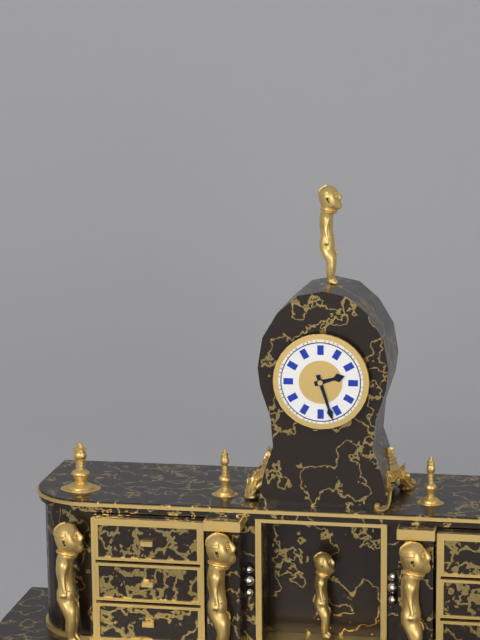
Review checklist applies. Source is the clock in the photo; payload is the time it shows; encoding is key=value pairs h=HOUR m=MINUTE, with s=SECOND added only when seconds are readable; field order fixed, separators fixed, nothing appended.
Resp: h=2 m=27
